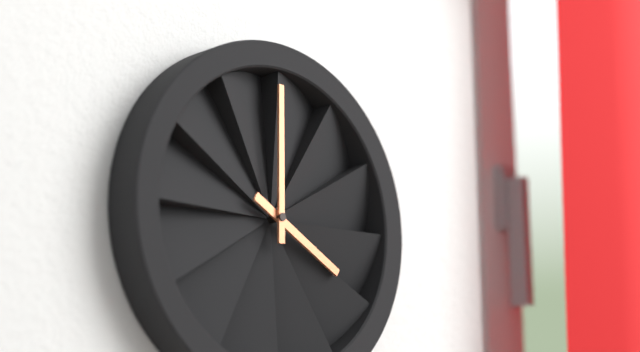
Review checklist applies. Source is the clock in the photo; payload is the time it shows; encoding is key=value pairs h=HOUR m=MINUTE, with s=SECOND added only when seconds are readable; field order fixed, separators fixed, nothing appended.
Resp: h=4 m=0
